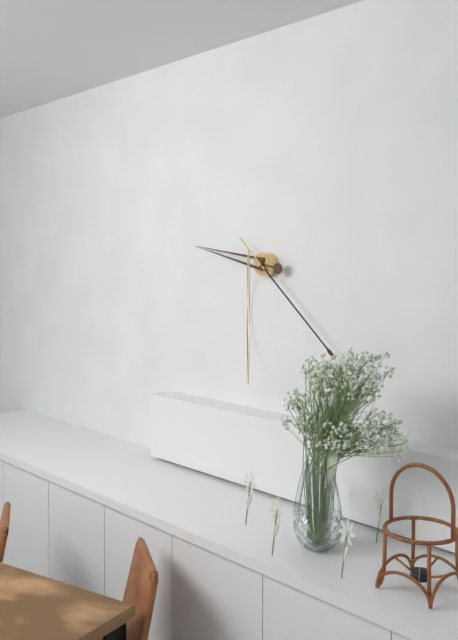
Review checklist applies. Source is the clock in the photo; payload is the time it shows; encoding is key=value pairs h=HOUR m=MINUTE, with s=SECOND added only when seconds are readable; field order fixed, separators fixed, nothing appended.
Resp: h=9 m=22
